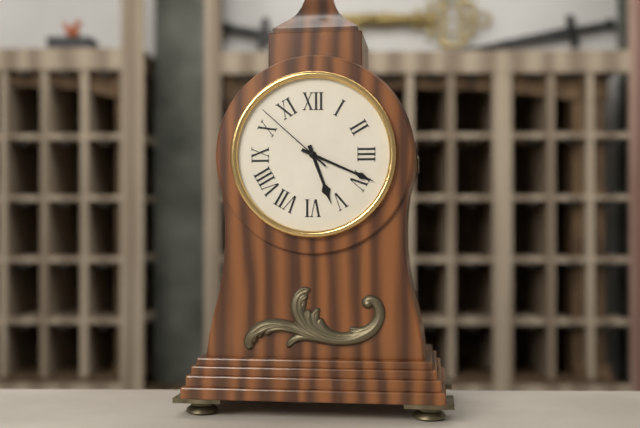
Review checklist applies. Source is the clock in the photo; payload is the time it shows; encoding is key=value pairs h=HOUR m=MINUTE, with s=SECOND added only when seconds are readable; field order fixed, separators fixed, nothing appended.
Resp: h=5 m=19 s=52
